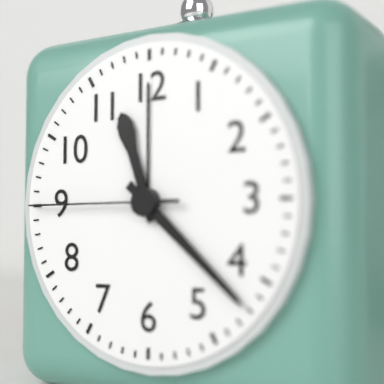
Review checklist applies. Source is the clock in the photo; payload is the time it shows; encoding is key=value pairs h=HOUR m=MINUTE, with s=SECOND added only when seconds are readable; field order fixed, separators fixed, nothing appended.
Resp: h=11 m=22 s=45
